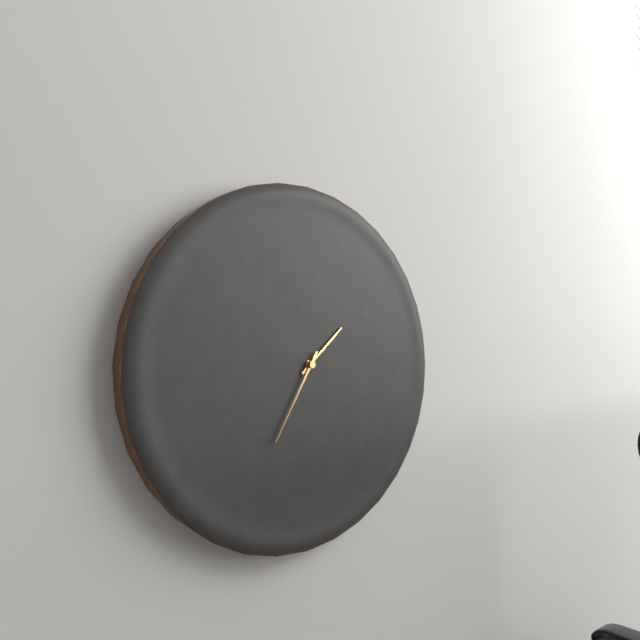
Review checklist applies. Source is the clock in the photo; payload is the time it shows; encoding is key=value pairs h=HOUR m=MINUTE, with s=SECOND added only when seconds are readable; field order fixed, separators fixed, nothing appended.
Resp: h=1 m=35
